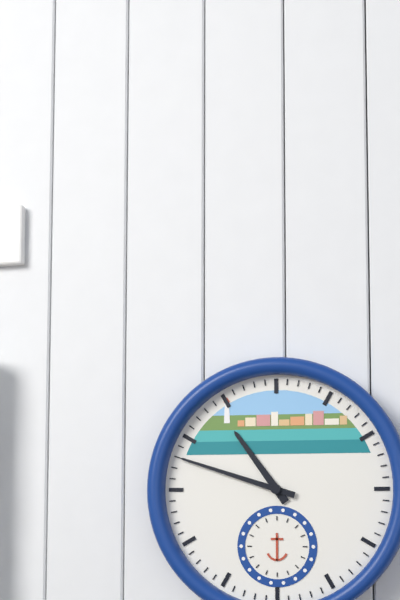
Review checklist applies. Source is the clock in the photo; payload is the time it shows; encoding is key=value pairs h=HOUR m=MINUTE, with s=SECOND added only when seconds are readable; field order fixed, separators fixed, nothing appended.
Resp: h=10 m=48
